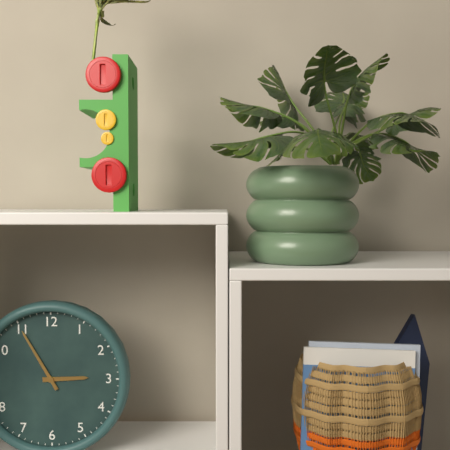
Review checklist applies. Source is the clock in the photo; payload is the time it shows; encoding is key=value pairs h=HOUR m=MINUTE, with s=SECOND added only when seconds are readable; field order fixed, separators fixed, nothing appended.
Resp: h=2 m=55
